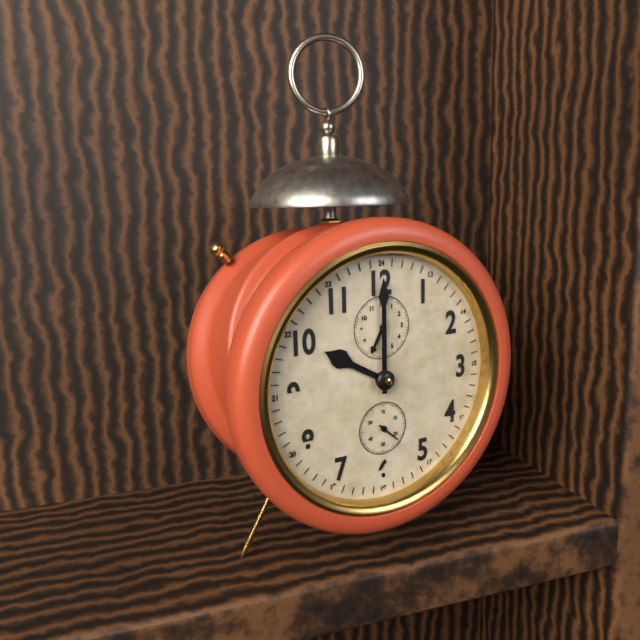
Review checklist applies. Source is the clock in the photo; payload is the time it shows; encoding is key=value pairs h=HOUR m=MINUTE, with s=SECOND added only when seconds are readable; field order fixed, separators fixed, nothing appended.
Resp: h=10 m=0
